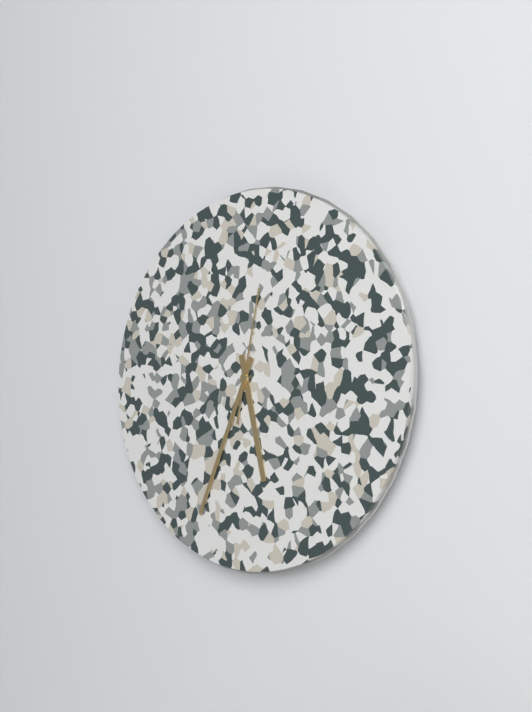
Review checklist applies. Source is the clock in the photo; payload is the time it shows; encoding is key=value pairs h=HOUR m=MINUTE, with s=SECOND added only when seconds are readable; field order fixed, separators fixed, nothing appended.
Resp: h=5 m=34 s=2
